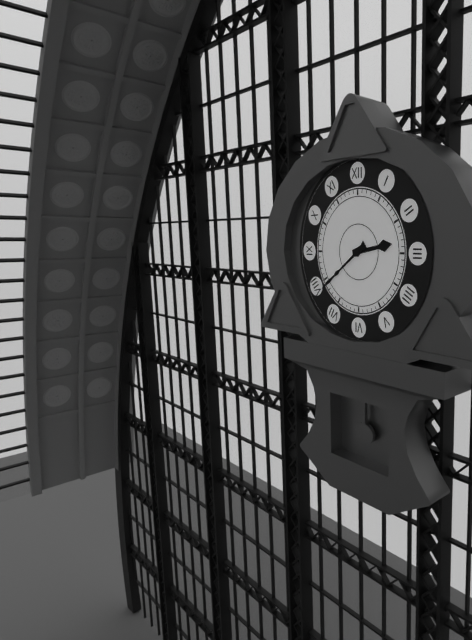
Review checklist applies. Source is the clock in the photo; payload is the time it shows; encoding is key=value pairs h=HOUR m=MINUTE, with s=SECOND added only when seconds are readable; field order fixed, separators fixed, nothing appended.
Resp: h=2 m=39
